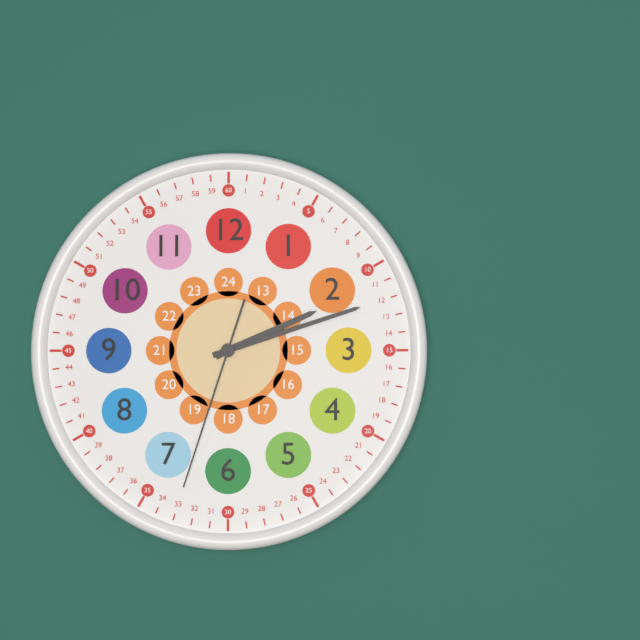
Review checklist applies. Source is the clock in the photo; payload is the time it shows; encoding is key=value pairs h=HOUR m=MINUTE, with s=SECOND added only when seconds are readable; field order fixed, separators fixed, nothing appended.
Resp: h=2 m=12 s=33
